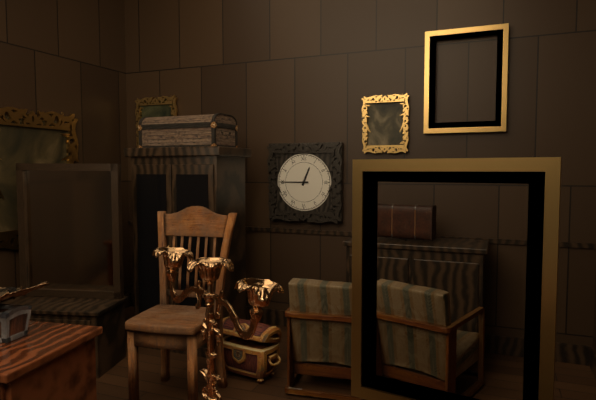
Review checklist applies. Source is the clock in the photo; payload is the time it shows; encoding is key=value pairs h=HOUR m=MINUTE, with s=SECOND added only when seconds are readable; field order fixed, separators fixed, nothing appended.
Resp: h=12 m=45
